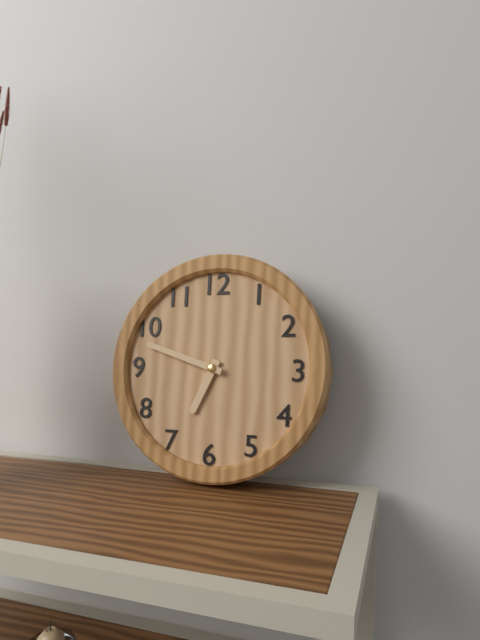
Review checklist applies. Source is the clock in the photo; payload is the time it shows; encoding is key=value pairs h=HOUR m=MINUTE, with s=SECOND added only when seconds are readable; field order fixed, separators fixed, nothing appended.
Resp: h=6 m=48
